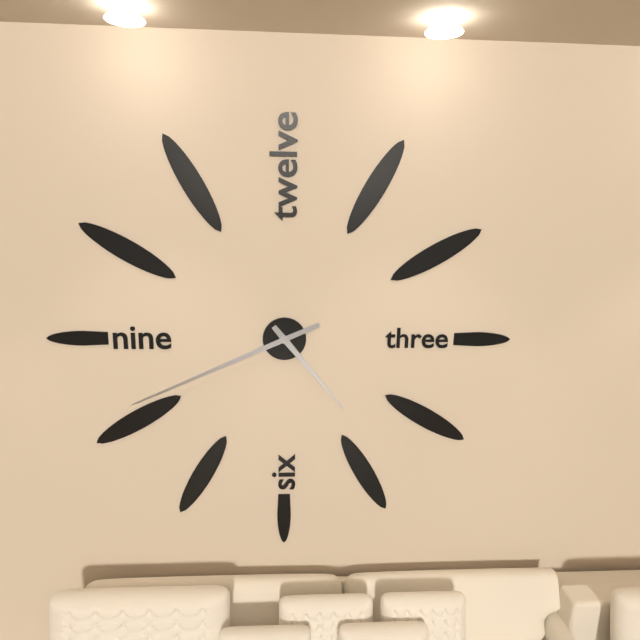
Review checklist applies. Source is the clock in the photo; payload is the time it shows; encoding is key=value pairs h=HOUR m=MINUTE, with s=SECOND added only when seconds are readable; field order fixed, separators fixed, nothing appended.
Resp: h=4 m=41
